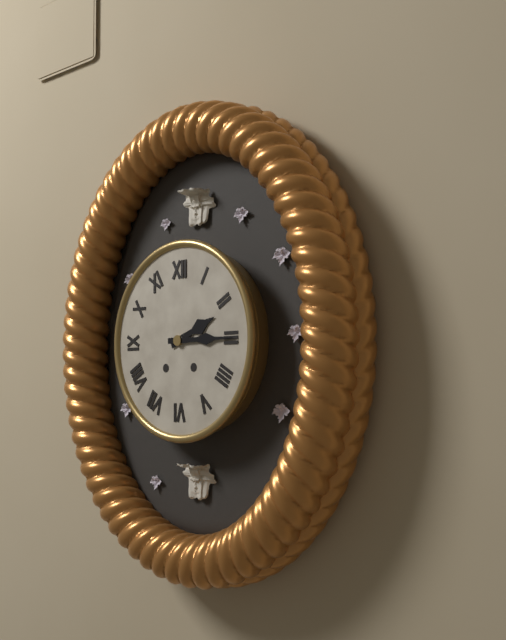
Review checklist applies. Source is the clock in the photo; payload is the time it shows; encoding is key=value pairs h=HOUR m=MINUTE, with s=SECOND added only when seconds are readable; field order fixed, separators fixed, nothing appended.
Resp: h=2 m=15
